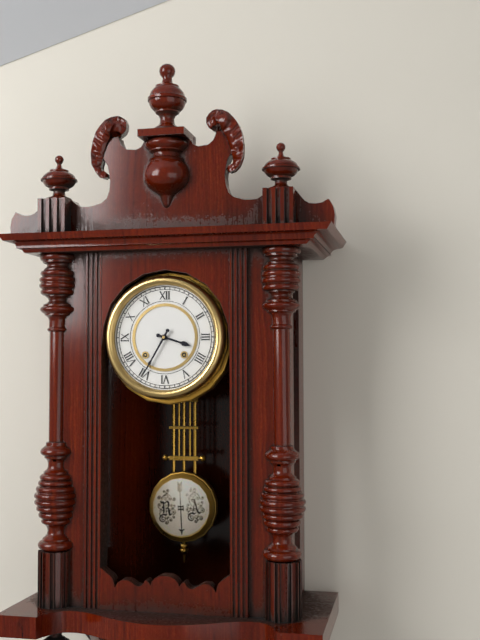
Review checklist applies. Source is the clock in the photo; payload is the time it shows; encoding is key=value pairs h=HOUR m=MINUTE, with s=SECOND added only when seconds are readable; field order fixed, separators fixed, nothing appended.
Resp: h=3 m=35
